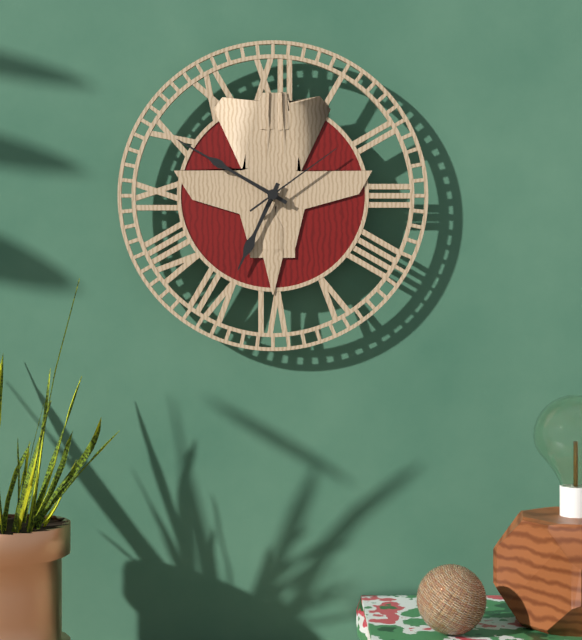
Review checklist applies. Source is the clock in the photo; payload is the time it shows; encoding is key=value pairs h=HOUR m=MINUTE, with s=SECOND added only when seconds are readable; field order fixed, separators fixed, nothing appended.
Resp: h=6 m=50 s=9
